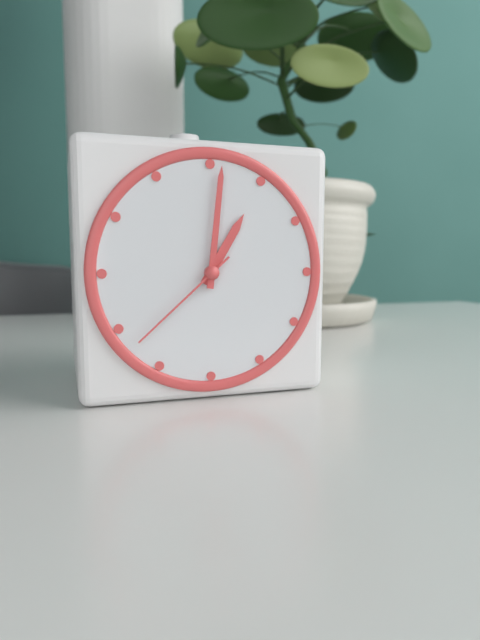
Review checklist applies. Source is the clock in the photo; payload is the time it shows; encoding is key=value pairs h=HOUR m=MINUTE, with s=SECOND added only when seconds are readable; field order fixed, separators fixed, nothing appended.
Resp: h=1 m=1 s=38
